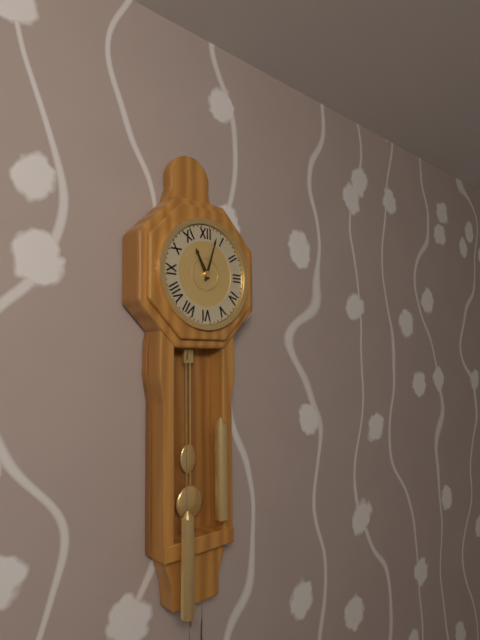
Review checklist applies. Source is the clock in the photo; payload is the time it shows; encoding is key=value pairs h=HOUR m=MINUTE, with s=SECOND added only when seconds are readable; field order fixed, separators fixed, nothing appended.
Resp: h=11 m=3
